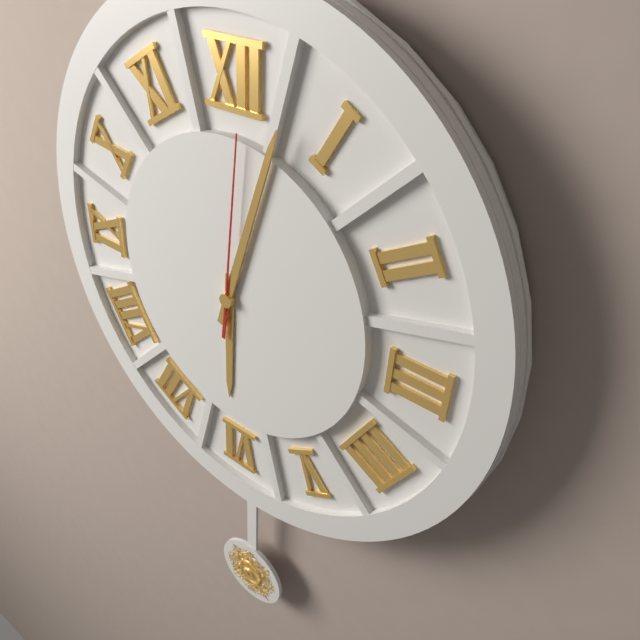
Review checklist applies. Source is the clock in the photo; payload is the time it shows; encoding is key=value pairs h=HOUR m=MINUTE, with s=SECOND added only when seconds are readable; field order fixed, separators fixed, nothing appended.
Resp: h=6 m=3 s=1
